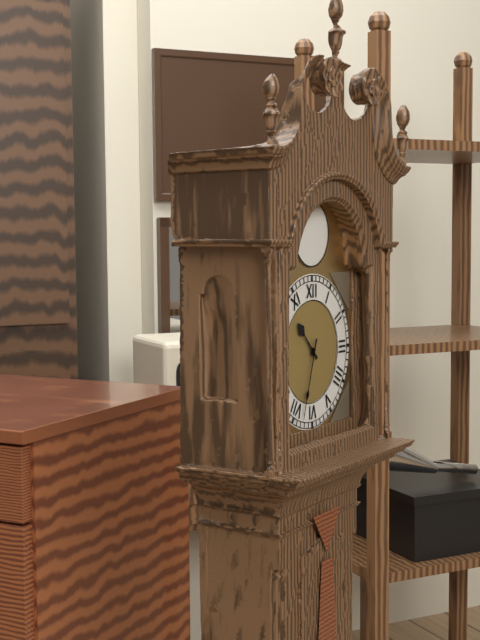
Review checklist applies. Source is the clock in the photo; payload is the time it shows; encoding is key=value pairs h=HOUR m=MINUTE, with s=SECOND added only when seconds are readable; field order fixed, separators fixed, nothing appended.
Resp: h=10 m=33
